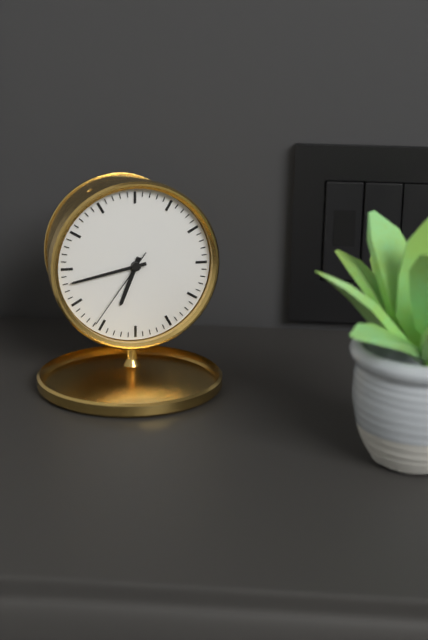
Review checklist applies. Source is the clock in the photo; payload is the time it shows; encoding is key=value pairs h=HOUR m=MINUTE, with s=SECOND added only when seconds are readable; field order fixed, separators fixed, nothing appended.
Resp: h=6 m=43 s=36
